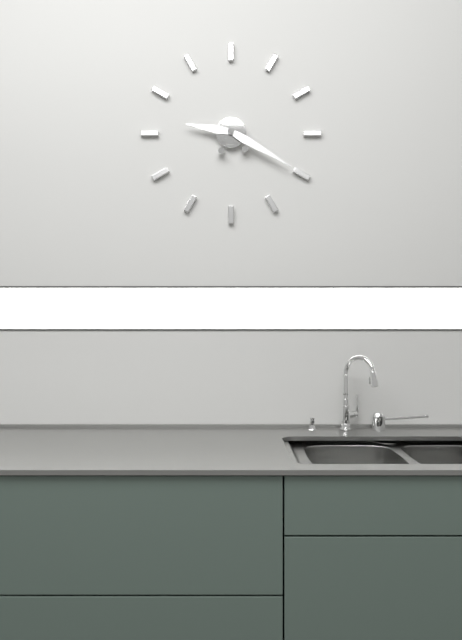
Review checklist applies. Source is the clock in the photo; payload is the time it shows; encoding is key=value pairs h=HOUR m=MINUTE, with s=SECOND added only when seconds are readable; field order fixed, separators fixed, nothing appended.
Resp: h=9 m=20
